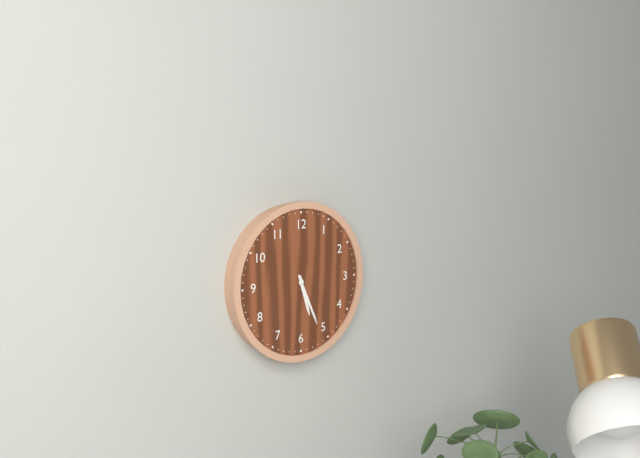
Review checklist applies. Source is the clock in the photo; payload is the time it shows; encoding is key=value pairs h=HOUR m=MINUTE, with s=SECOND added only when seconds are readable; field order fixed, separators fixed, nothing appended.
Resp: h=5 m=26
